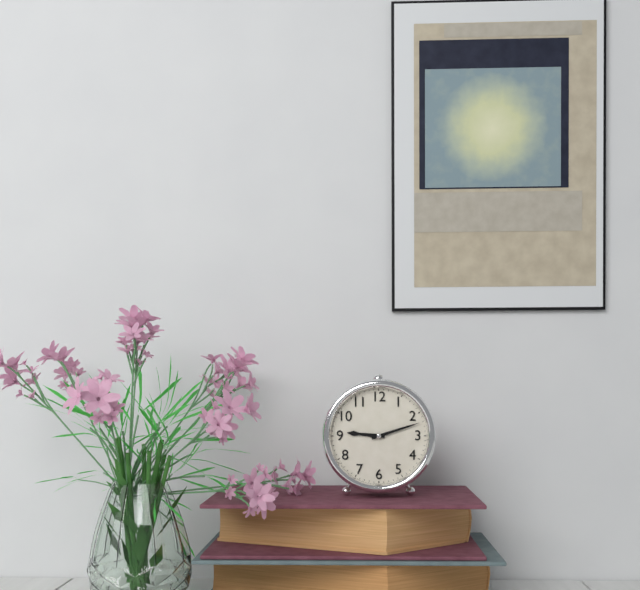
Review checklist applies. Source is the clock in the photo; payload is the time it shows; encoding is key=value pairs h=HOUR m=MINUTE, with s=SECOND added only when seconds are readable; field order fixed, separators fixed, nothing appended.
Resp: h=9 m=12
